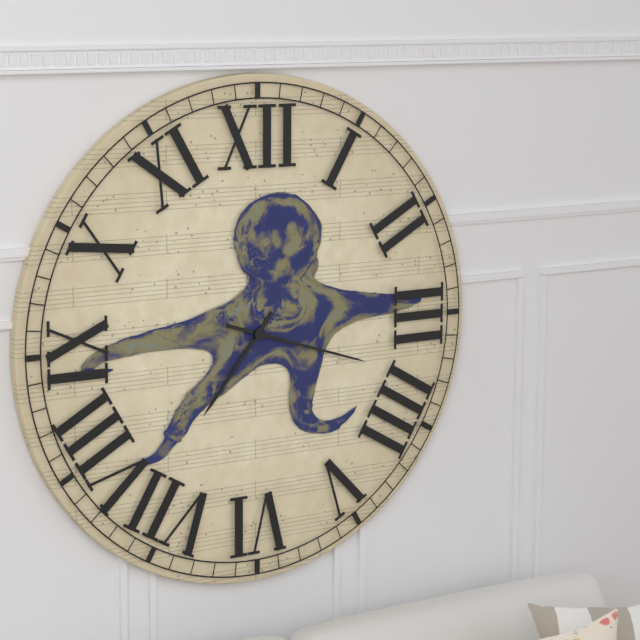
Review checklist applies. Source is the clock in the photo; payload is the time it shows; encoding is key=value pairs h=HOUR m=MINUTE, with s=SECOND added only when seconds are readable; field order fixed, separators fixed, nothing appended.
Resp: h=7 m=18
